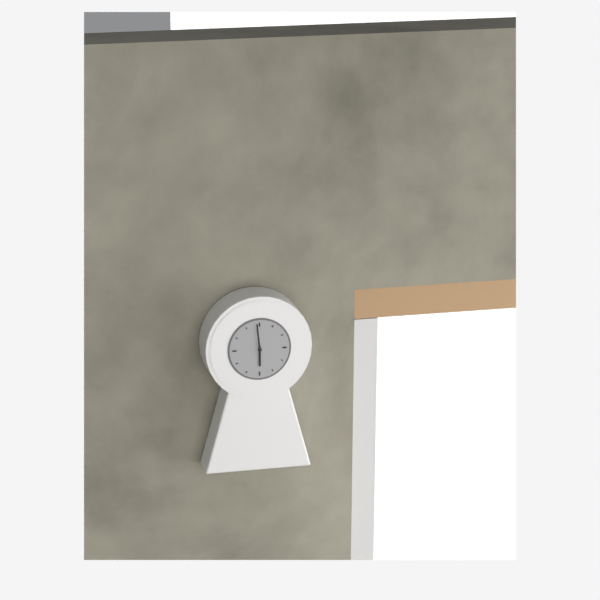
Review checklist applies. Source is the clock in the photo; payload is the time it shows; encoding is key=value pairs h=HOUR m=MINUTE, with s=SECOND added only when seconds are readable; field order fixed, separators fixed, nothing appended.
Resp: h=5 m=59
